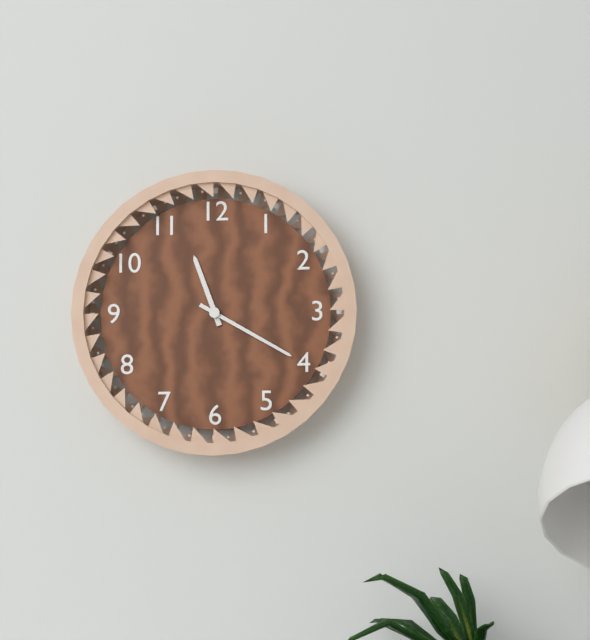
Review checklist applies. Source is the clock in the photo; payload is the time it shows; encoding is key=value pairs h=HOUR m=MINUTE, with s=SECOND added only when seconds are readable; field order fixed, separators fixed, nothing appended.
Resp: h=11 m=20
